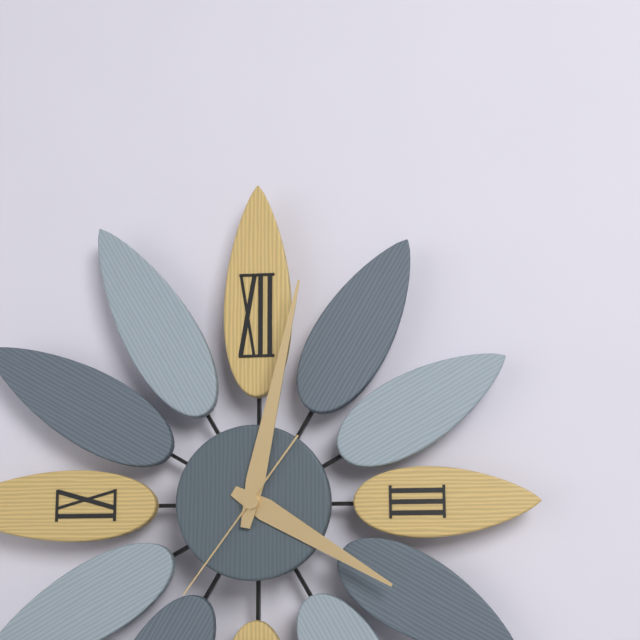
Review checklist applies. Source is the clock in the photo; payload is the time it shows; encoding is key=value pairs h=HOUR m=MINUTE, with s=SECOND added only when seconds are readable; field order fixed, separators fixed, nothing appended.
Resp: h=4 m=2 s=36
